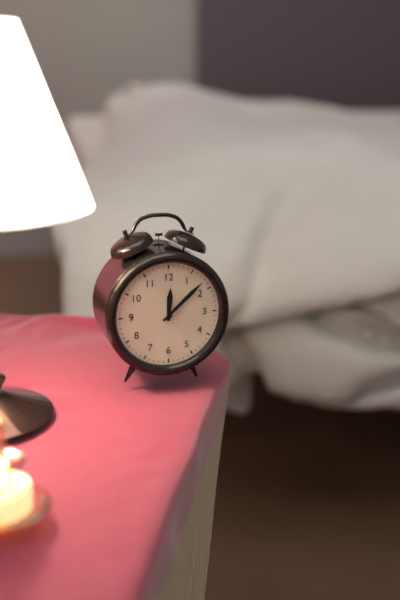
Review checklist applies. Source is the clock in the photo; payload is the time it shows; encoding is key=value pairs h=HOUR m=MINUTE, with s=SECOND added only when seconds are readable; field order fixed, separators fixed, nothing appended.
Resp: h=12 m=8
